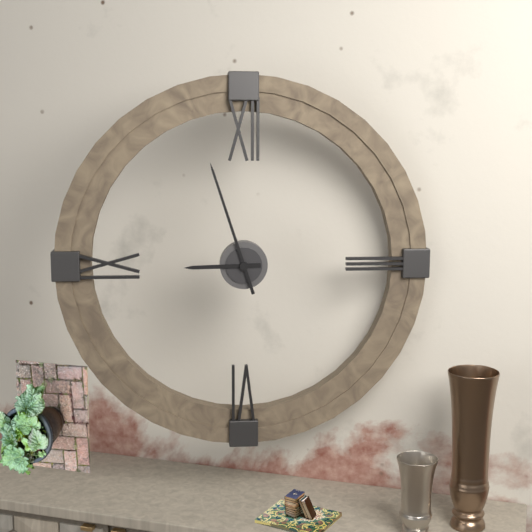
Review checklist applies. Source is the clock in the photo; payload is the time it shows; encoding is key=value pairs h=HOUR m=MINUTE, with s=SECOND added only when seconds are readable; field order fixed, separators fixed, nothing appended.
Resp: h=8 m=57
